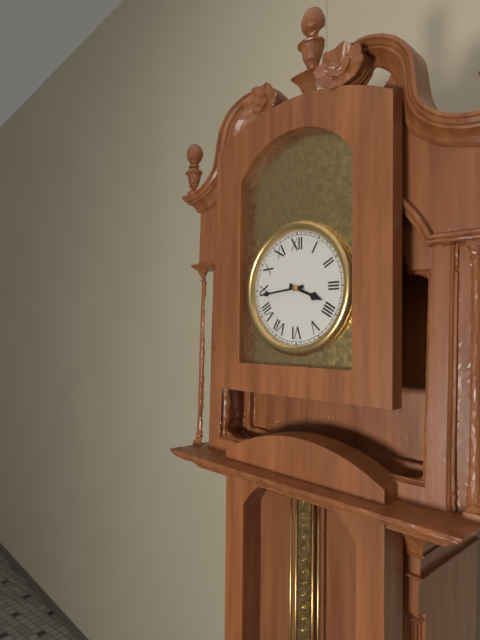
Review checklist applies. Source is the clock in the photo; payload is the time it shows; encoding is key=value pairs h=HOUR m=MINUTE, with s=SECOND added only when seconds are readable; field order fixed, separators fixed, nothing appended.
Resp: h=3 m=44
